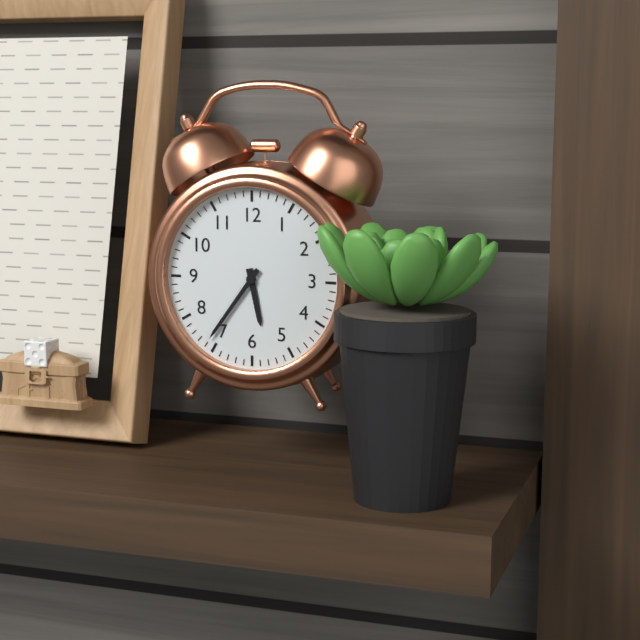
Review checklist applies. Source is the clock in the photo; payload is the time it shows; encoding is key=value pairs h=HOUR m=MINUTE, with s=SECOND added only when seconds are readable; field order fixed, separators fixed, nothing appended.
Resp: h=5 m=36
